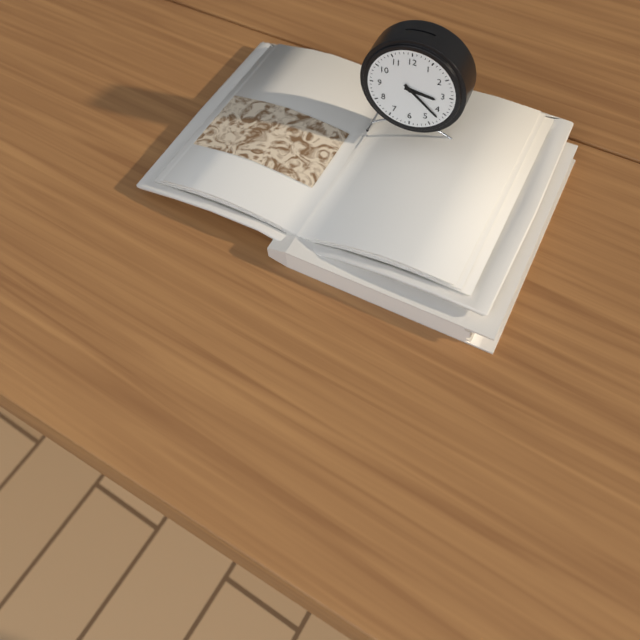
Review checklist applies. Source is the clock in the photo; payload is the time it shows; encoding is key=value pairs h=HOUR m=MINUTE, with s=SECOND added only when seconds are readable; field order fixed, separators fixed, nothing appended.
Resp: h=3 m=22
